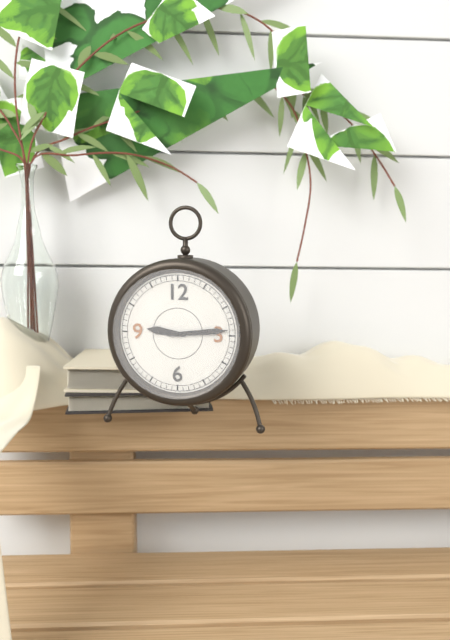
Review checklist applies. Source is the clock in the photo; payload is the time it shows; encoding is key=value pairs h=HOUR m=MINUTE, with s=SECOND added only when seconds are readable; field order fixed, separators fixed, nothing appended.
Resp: h=9 m=14
